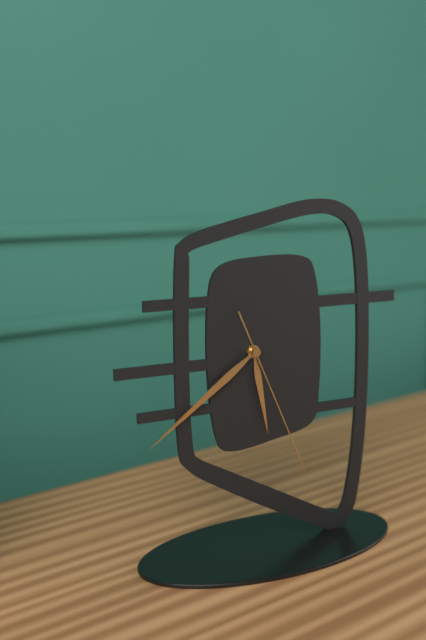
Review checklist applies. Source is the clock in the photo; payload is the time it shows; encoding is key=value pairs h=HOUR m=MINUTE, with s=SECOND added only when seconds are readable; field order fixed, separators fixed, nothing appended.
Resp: h=5 m=39 s=26
